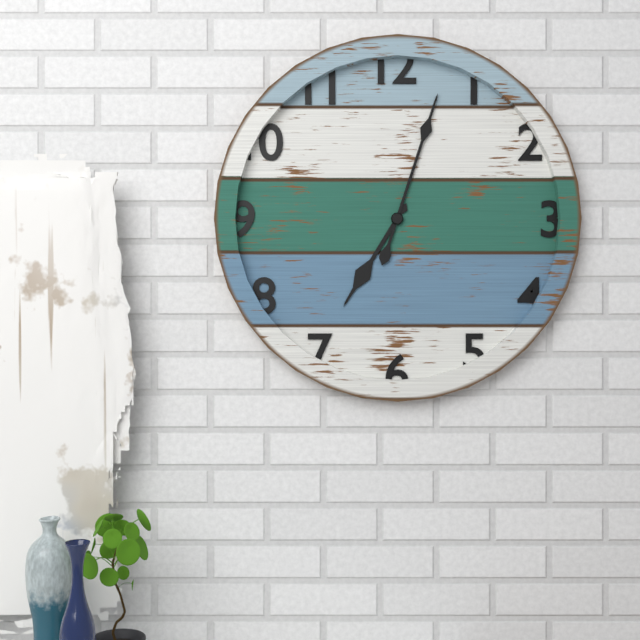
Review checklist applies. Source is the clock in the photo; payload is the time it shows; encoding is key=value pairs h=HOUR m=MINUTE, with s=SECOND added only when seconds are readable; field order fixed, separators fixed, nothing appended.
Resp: h=7 m=3
